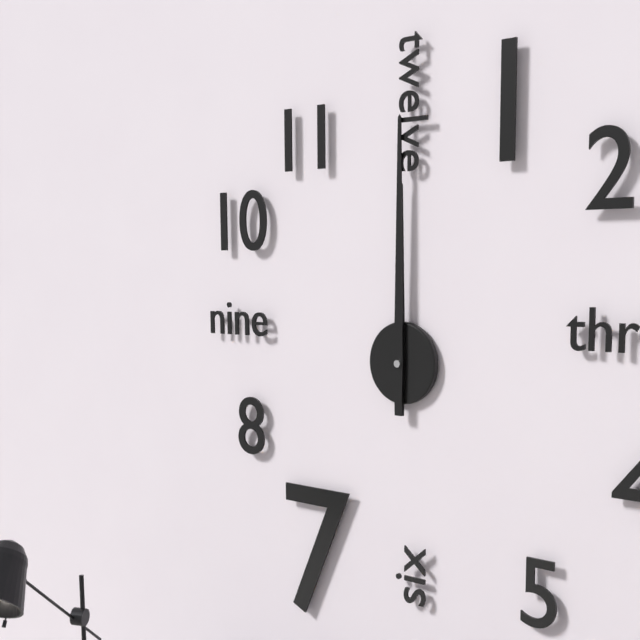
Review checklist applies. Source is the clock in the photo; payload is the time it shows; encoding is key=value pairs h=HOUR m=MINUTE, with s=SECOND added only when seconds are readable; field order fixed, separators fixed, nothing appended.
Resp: h=12 m=0
